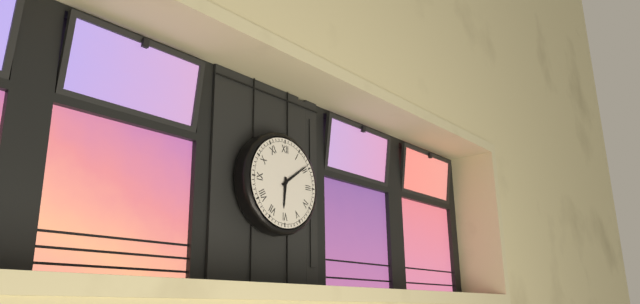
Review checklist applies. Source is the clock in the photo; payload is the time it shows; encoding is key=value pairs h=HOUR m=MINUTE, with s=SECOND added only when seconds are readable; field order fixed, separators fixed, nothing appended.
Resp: h=6 m=9
